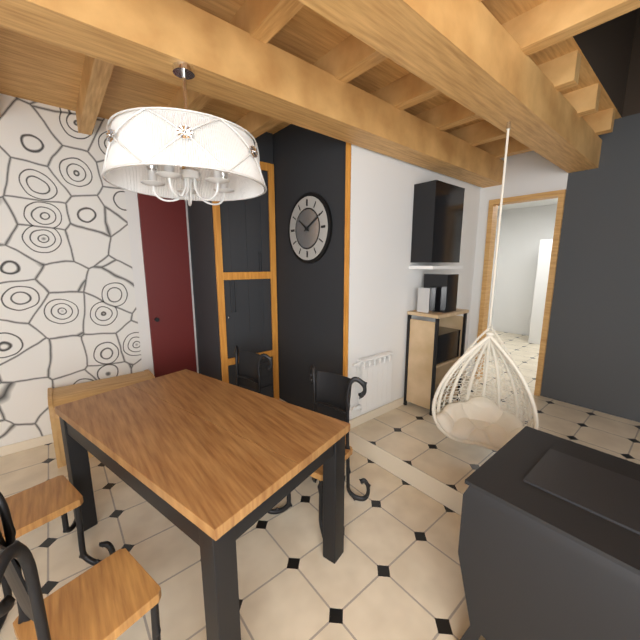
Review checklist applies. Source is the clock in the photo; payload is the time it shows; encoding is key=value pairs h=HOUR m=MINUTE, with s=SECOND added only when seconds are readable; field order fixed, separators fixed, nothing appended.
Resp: h=10 m=10
